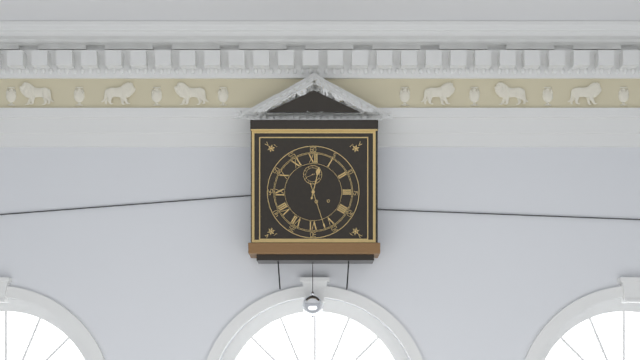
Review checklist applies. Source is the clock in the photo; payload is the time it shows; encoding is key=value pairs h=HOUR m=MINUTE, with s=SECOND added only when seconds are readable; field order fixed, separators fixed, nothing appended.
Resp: h=12 m=27
